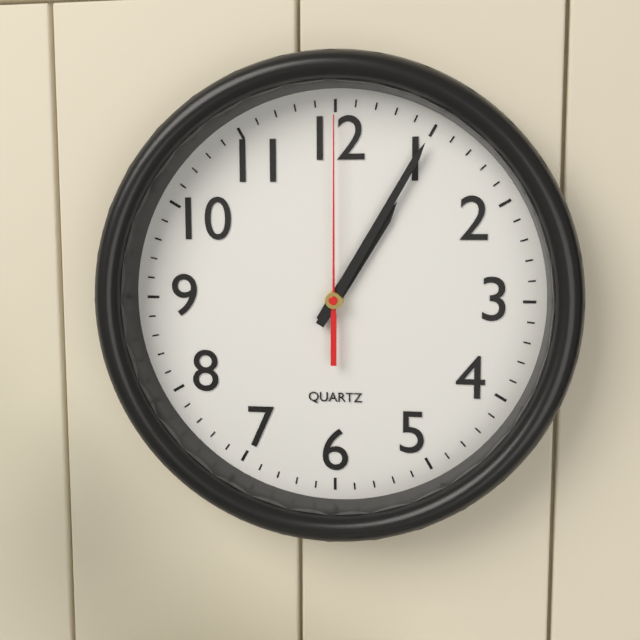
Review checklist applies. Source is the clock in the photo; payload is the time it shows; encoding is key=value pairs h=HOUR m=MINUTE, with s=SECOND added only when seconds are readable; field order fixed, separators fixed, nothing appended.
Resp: h=1 m=5 s=0
